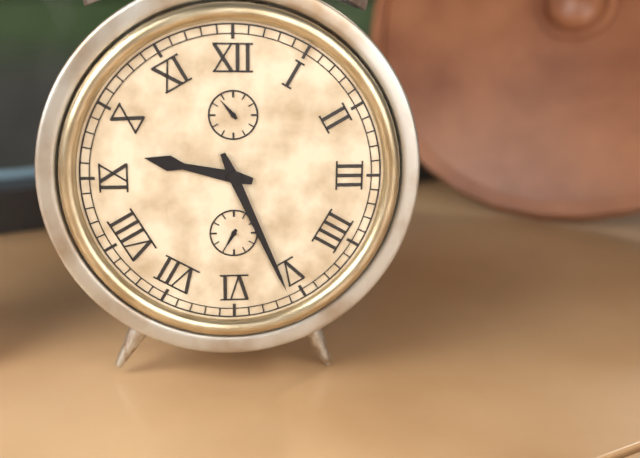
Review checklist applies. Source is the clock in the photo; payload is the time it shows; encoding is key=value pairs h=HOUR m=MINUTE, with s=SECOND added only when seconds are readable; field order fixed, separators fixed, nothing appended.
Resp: h=9 m=26
